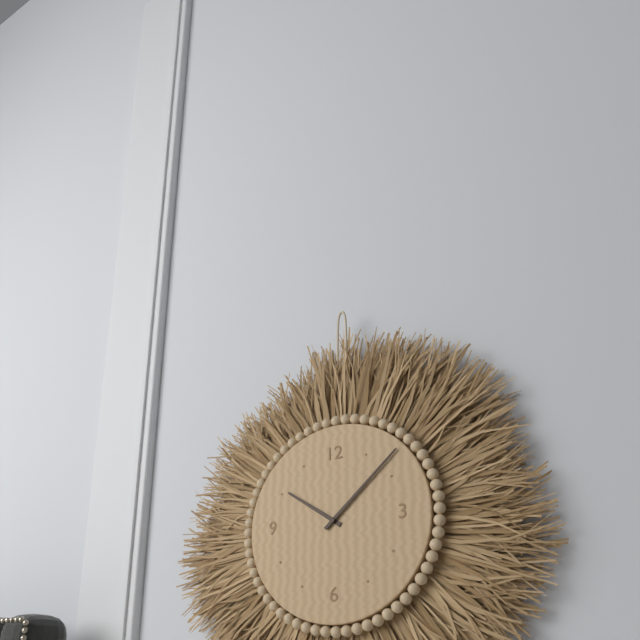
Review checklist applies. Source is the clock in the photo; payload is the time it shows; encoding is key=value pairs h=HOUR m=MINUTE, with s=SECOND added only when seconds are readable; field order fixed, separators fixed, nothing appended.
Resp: h=10 m=8
